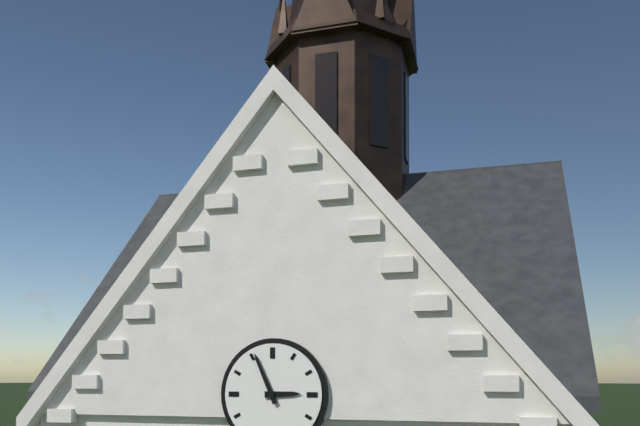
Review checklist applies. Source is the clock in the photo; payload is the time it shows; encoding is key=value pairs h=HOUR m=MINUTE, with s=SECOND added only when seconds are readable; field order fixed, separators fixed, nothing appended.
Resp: h=2 m=56
